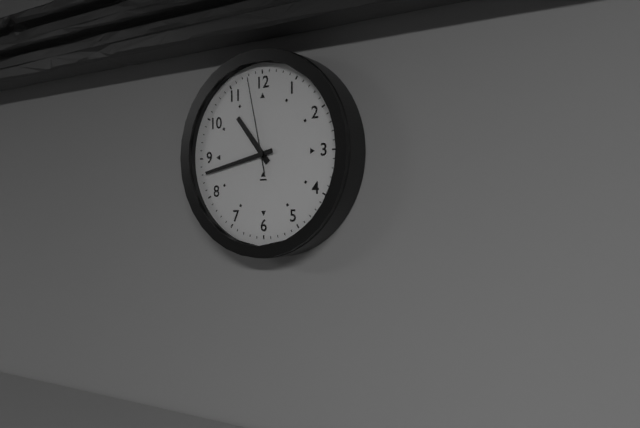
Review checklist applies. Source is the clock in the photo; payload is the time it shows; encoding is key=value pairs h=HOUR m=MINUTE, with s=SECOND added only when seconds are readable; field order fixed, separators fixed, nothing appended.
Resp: h=10 m=43 s=58
